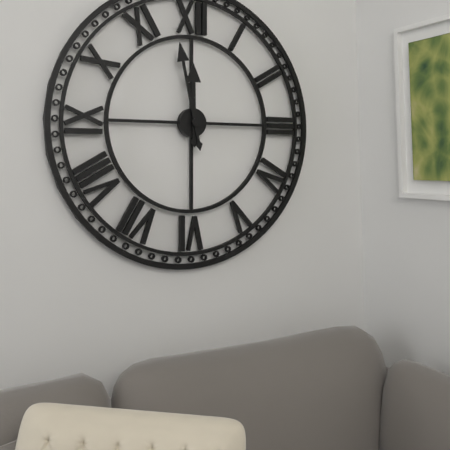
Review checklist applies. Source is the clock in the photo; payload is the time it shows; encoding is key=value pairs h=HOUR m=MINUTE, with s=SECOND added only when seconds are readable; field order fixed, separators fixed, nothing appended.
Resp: h=11 m=58
